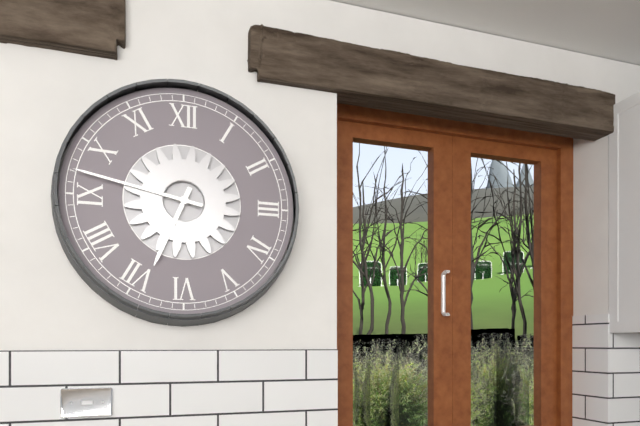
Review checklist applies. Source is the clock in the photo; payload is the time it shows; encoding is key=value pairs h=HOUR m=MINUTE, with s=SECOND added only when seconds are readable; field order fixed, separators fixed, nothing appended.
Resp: h=6 m=47
